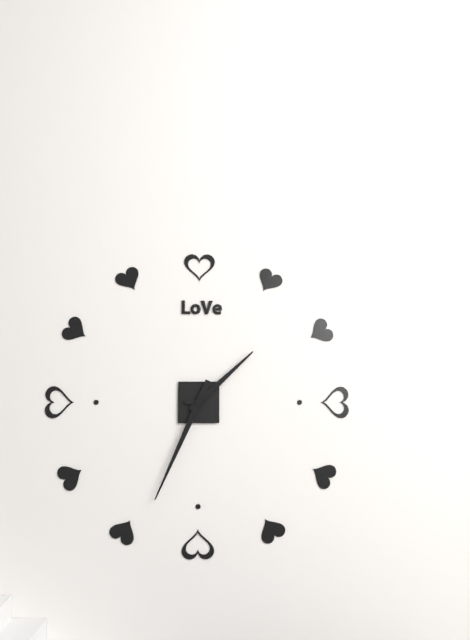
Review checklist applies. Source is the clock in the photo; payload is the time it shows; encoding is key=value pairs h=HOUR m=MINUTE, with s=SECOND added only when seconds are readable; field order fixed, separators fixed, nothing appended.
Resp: h=1 m=34
